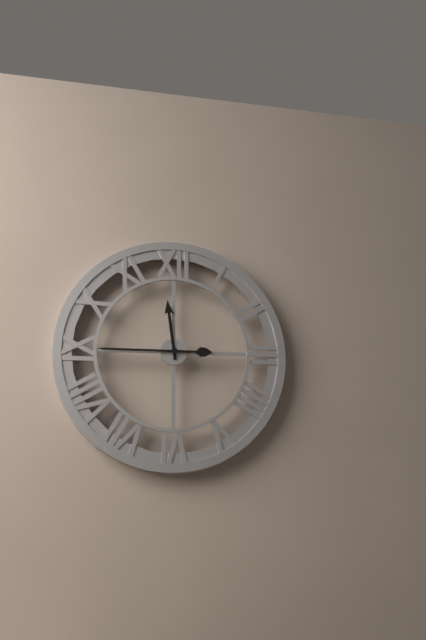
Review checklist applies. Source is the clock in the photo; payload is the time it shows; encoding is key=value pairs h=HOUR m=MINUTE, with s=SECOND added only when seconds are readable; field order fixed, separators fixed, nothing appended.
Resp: h=11 m=45
